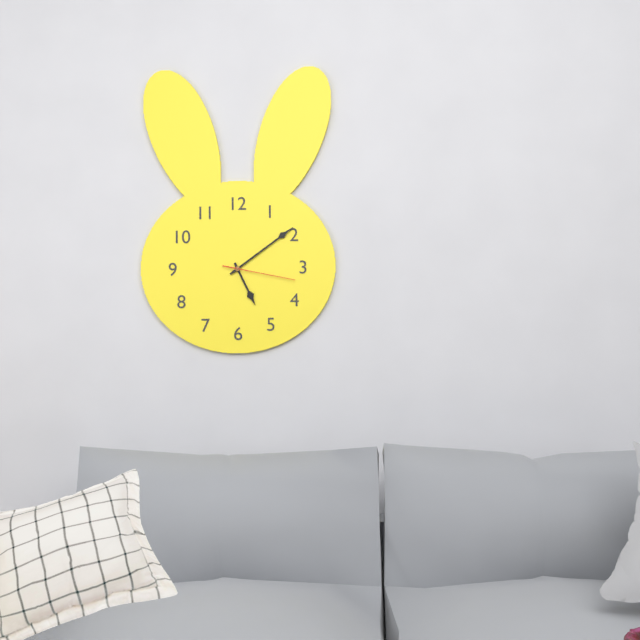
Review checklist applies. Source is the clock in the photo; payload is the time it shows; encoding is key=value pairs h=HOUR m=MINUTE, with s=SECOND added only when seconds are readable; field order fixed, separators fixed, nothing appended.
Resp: h=5 m=9 s=17
